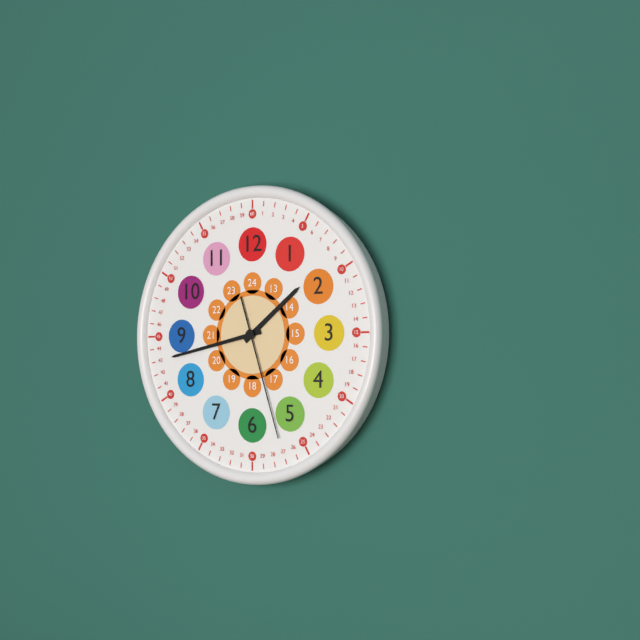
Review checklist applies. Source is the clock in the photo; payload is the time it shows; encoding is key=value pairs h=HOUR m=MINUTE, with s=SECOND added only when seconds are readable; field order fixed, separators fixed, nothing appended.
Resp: h=1 m=43 s=27
